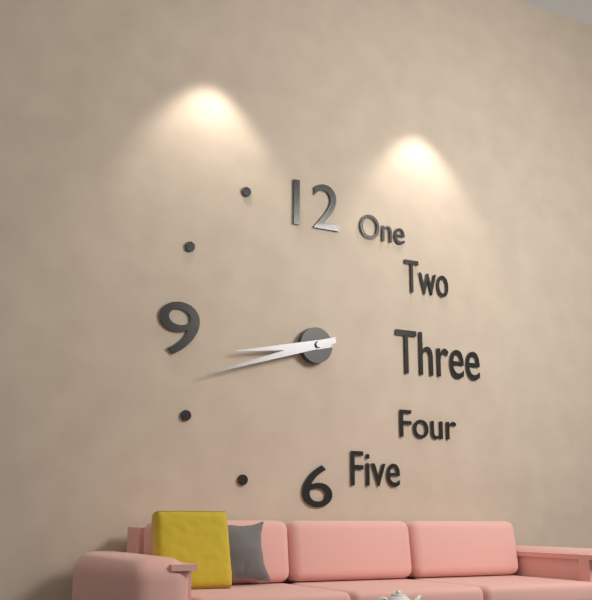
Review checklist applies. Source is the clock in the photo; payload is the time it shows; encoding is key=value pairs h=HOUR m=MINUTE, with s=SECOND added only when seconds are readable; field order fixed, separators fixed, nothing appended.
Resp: h=8 m=42
